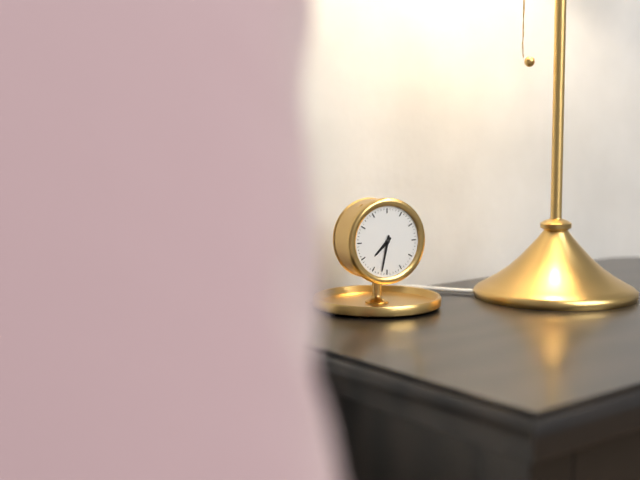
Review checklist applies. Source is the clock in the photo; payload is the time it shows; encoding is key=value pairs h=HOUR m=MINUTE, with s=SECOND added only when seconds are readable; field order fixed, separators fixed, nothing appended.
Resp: h=7 m=32
